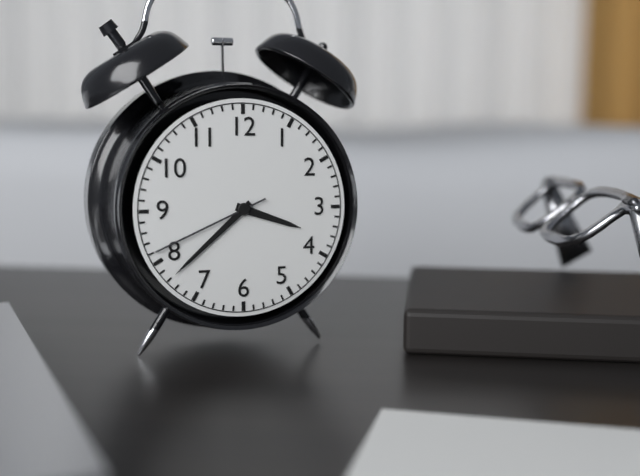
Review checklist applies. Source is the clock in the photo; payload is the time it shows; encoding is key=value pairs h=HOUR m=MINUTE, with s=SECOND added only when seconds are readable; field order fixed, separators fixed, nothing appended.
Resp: h=3 m=38 s=41
